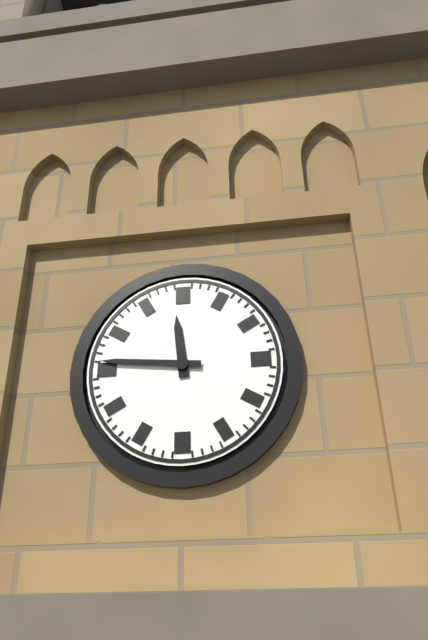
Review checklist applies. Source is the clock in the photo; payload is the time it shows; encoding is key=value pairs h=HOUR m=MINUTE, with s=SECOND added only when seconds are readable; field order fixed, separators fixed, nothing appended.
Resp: h=11 m=46
